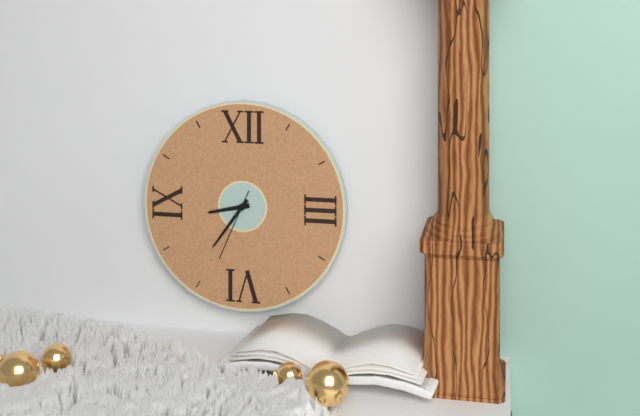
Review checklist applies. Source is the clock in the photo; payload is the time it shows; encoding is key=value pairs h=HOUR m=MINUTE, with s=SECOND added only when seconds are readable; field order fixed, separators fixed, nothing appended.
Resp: h=8 m=36 s=34
